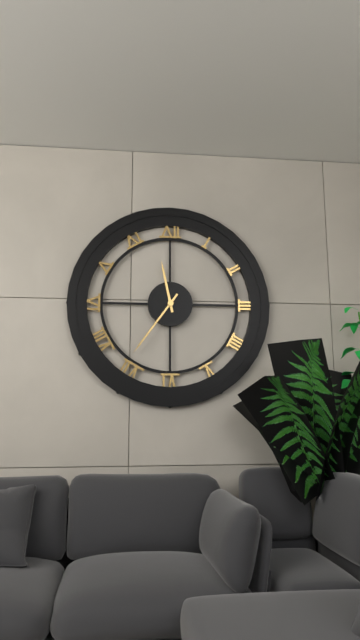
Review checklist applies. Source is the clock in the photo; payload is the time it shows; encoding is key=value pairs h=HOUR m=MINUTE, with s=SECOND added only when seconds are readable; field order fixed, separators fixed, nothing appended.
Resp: h=11 m=36
